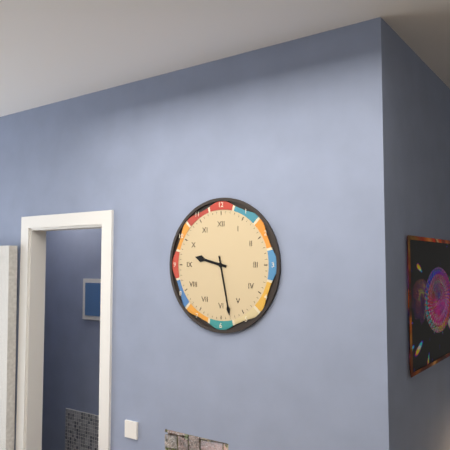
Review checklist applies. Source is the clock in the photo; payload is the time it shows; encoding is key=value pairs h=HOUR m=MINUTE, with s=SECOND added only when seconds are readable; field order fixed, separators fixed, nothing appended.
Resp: h=9 m=28
